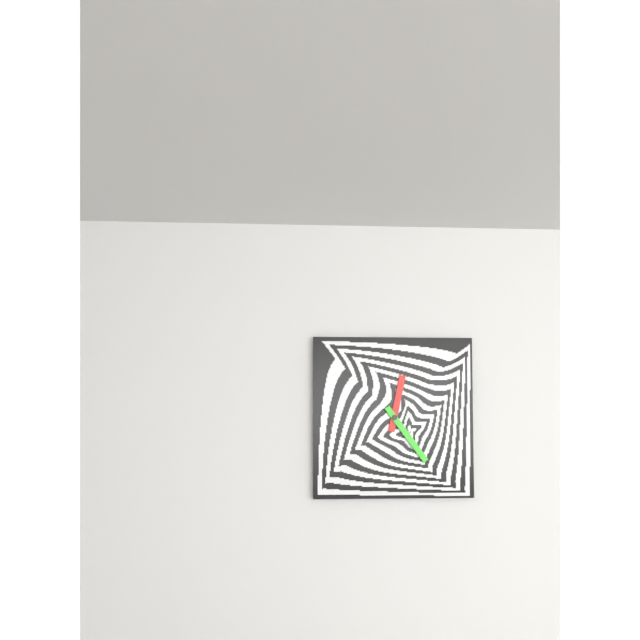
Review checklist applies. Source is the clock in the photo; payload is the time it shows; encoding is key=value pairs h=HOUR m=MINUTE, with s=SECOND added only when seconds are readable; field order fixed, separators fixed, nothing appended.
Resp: h=12 m=24
